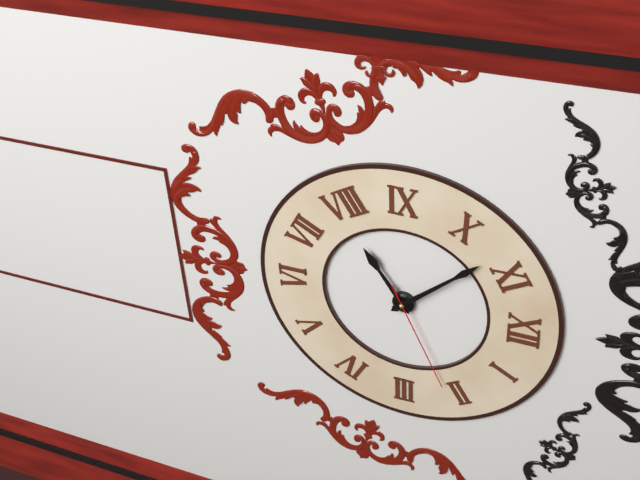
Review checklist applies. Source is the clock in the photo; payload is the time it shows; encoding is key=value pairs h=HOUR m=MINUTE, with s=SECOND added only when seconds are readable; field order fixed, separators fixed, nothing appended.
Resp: h=7 m=53 s=11
